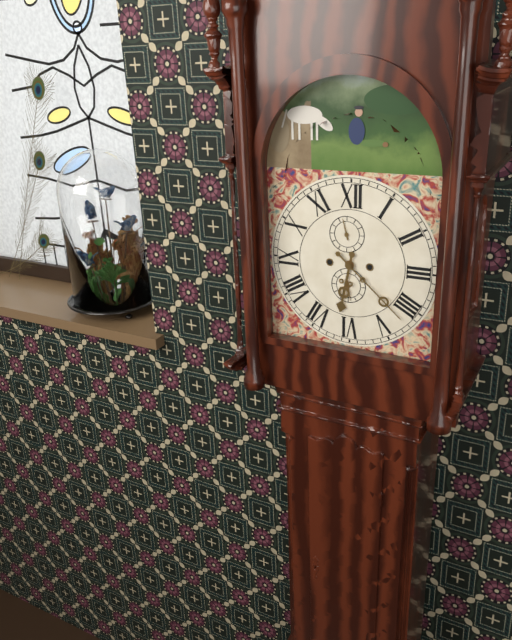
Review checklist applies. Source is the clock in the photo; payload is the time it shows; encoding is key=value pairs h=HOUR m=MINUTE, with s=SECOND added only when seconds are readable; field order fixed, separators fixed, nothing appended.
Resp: h=6 m=22
